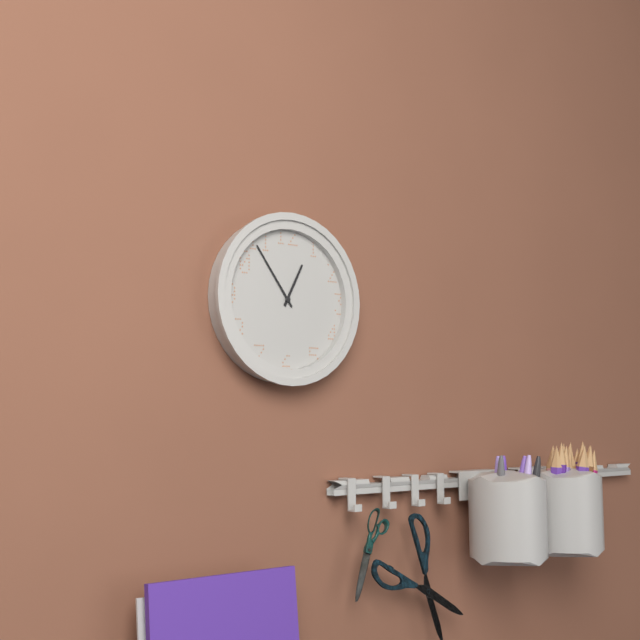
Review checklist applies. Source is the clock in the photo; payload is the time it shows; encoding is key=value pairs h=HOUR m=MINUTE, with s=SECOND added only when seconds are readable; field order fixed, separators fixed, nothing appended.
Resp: h=12 m=54
